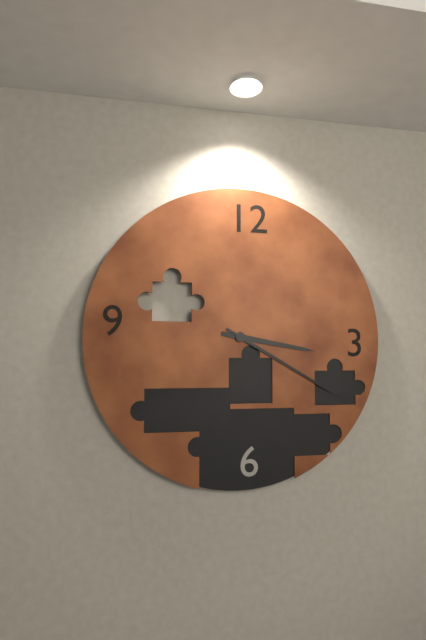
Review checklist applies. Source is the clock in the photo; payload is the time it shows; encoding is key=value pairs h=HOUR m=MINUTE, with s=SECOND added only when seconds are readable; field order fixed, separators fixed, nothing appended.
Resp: h=3 m=20
